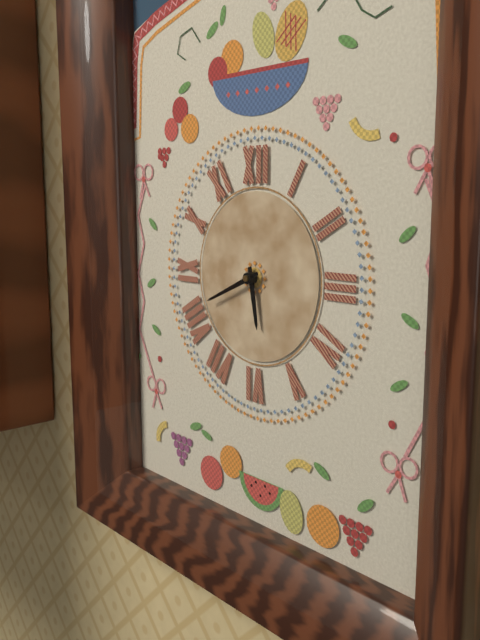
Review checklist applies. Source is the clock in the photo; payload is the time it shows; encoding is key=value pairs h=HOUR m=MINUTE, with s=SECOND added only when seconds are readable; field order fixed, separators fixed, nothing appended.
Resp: h=5 m=41
